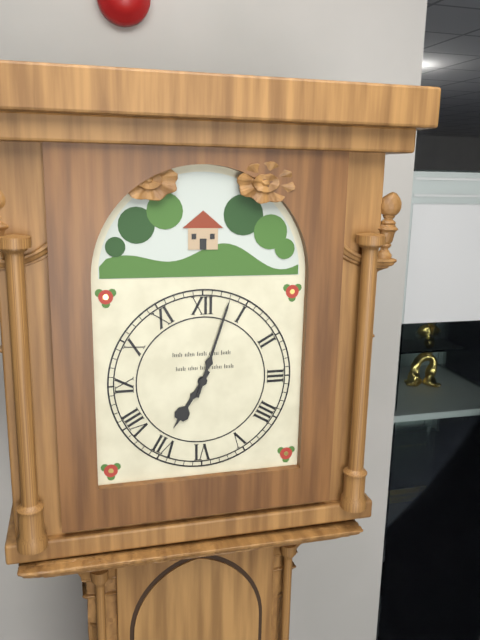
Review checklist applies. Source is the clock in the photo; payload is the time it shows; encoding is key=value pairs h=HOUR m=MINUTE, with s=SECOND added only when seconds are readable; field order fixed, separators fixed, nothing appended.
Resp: h=7 m=3
